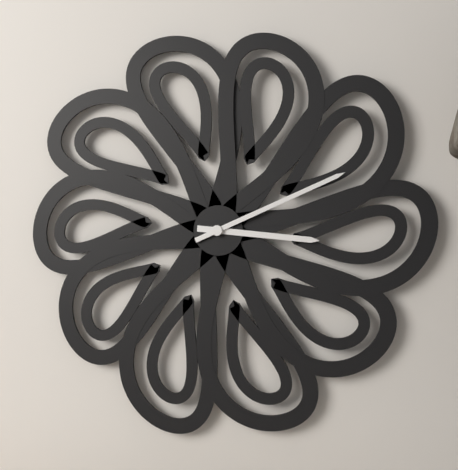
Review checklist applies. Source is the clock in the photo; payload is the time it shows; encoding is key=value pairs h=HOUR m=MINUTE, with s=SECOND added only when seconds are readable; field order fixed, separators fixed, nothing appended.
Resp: h=3 m=11
